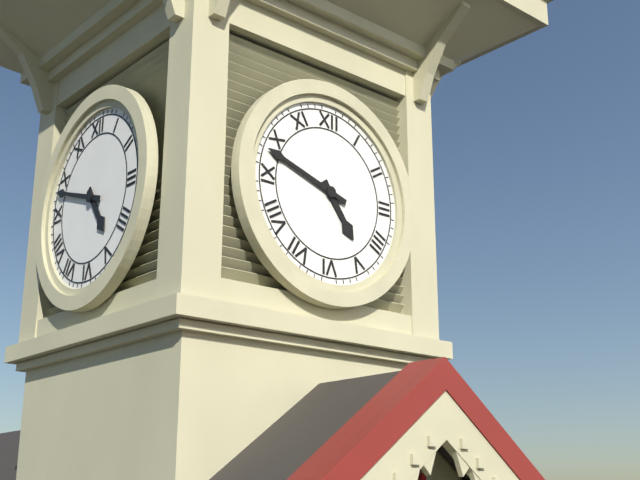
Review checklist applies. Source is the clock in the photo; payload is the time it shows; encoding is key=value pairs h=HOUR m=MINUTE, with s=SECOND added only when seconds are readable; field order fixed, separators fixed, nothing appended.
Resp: h=4 m=48
